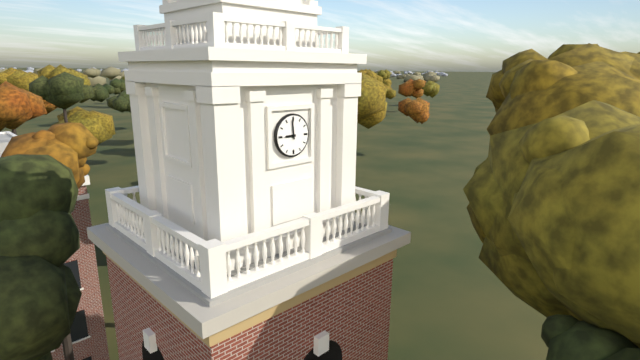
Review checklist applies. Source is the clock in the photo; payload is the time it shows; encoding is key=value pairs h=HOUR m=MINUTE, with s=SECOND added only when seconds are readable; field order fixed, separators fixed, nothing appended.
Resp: h=8 m=59
